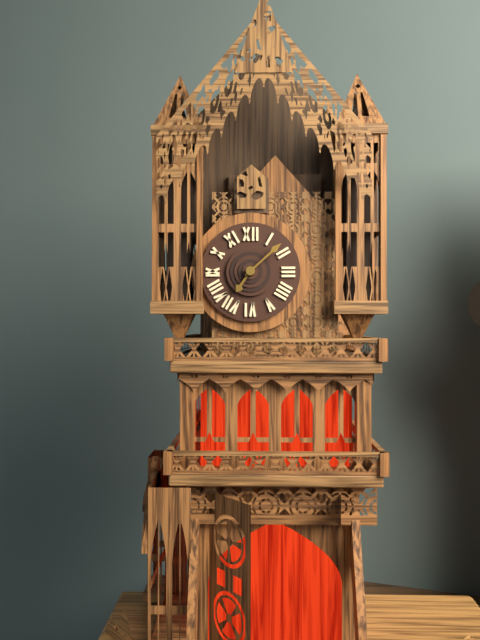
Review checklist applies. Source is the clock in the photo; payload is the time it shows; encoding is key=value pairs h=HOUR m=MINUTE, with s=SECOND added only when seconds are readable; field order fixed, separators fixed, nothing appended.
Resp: h=7 m=8
